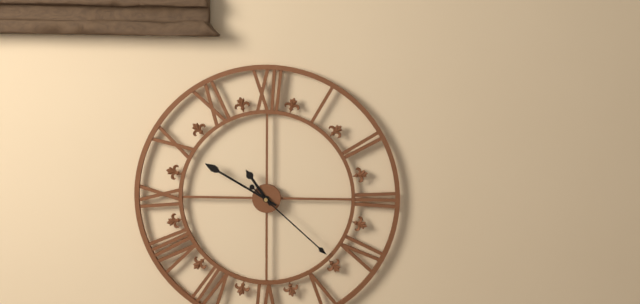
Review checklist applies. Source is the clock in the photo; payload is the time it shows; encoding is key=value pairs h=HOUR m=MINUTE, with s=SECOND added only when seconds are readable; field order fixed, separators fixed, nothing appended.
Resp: h=10 m=50 s=22
